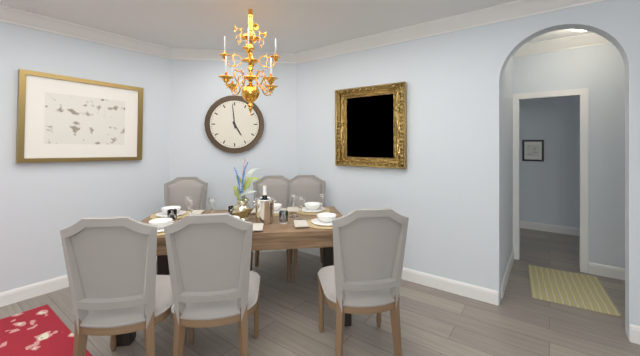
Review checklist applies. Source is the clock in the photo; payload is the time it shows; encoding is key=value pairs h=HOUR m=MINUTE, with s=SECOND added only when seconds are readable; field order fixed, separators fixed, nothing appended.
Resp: h=4 m=59
